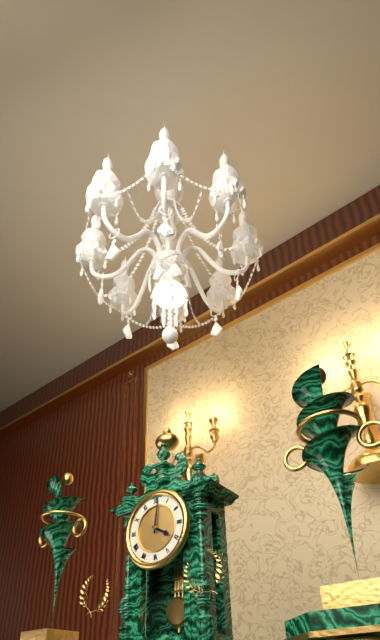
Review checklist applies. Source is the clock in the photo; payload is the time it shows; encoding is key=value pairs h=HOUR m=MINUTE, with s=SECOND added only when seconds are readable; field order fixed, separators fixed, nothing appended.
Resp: h=4 m=1
